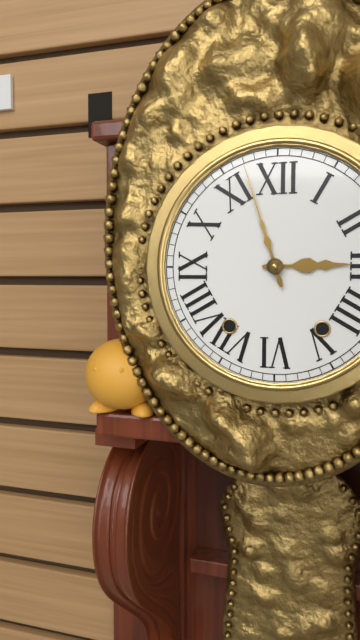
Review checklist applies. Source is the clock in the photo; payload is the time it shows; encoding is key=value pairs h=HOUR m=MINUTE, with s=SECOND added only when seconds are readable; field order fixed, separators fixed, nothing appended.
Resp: h=2 m=57
